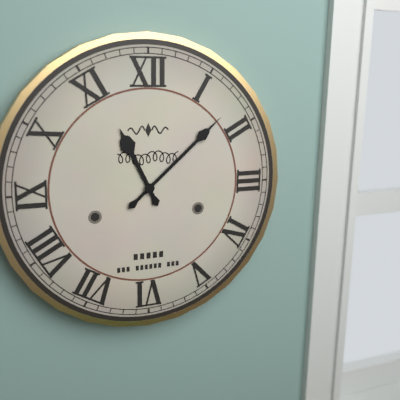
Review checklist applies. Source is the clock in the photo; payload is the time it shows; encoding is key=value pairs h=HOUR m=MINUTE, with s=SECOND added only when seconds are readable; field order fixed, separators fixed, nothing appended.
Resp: h=11 m=8
